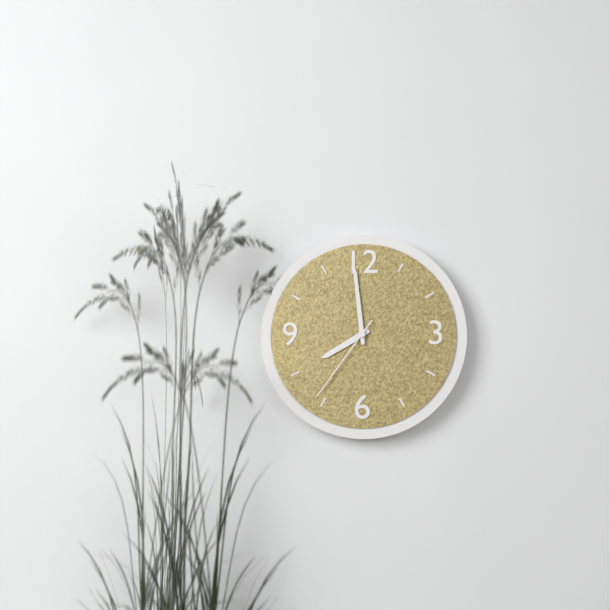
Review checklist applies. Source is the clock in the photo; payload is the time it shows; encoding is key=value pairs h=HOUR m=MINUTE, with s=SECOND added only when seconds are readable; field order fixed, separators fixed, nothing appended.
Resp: h=7 m=59 s=36
